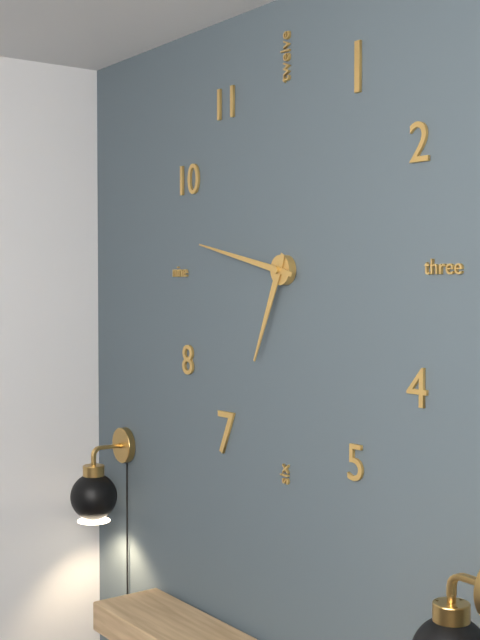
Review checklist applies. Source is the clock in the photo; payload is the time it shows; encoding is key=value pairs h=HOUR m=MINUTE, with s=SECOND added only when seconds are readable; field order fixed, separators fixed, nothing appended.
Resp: h=6 m=47
